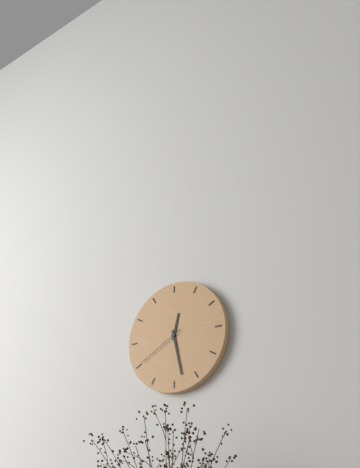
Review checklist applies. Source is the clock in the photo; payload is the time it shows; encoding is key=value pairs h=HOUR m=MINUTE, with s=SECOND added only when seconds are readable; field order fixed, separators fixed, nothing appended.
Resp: h=12 m=28 s=40
